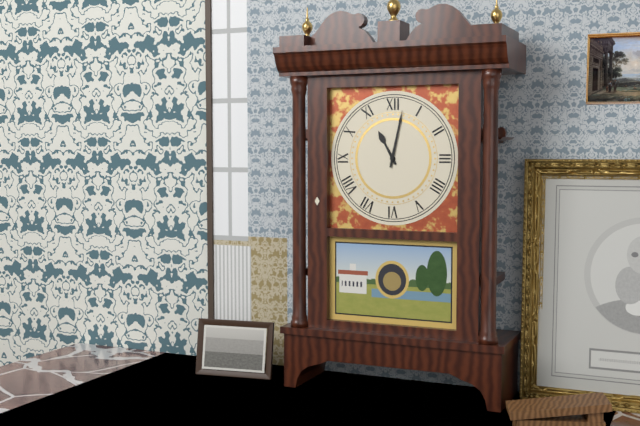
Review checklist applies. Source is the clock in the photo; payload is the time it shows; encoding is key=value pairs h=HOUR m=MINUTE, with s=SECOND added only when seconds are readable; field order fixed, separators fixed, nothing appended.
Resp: h=11 m=2
